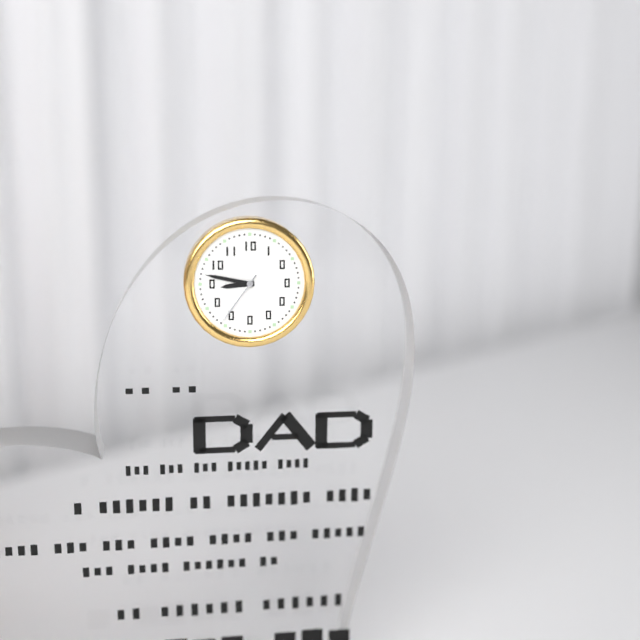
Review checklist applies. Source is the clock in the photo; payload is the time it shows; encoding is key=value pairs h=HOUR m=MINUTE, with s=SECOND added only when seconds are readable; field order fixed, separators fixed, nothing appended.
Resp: h=8 m=47 s=36
